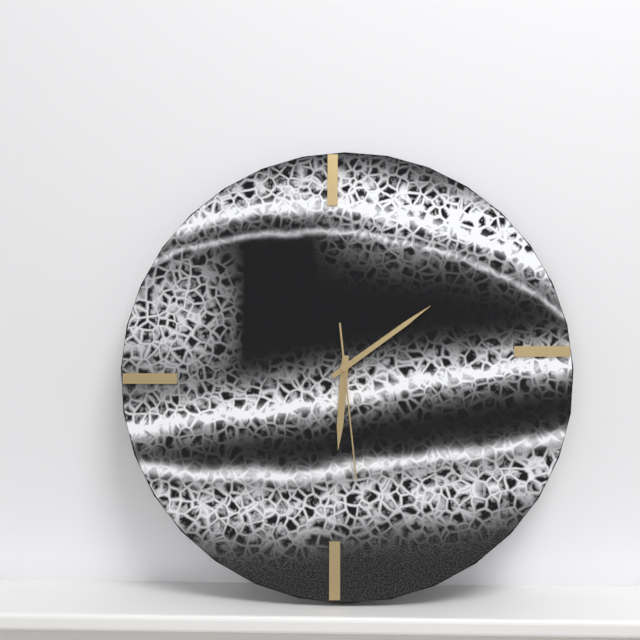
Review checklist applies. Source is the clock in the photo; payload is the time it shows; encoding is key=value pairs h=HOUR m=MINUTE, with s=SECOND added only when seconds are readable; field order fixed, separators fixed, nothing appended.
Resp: h=6 m=9 s=29
